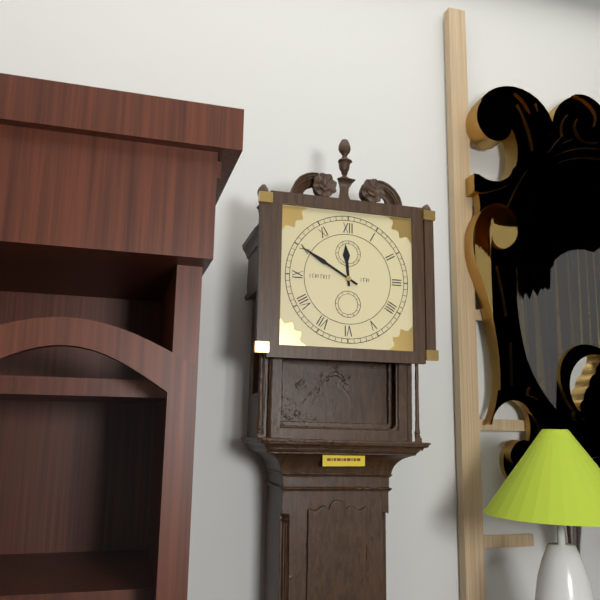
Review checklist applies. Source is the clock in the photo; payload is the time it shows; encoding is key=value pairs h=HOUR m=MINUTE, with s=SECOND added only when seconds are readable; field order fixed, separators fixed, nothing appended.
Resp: h=11 m=50
